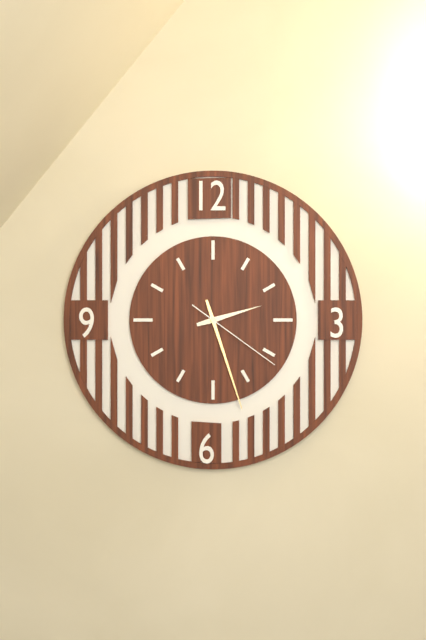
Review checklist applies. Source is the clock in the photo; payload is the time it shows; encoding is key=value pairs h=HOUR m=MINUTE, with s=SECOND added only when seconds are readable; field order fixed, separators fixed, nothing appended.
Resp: h=2 m=27 s=21
